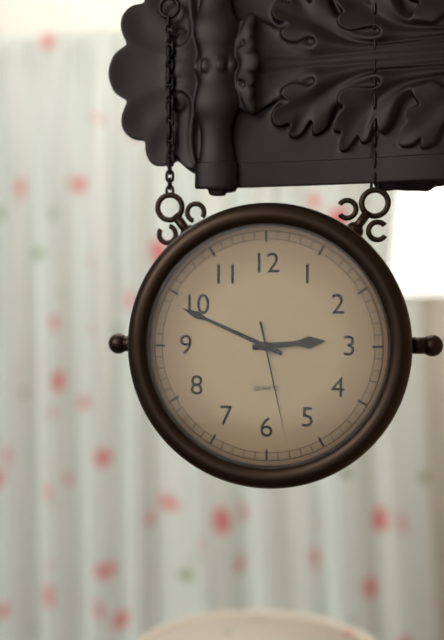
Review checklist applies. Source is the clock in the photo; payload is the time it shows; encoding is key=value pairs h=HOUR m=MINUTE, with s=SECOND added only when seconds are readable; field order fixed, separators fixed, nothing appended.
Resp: h=2 m=49 s=28
